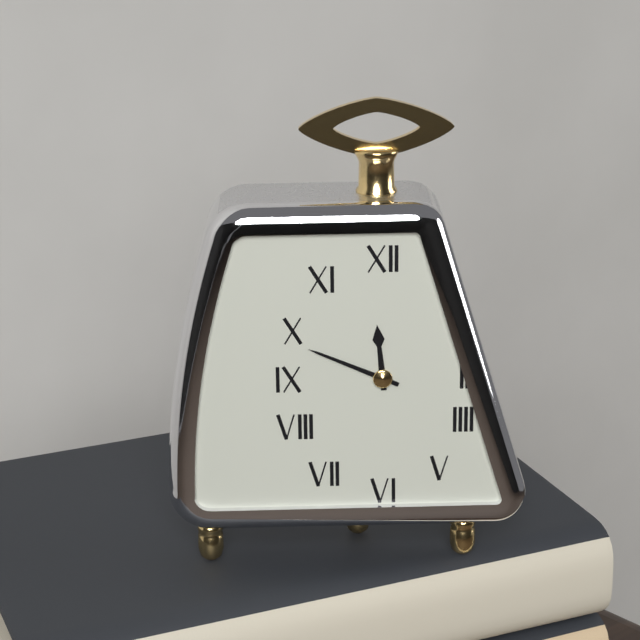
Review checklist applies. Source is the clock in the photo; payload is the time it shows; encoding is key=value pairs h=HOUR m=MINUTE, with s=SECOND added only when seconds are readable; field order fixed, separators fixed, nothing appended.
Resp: h=11 m=49
